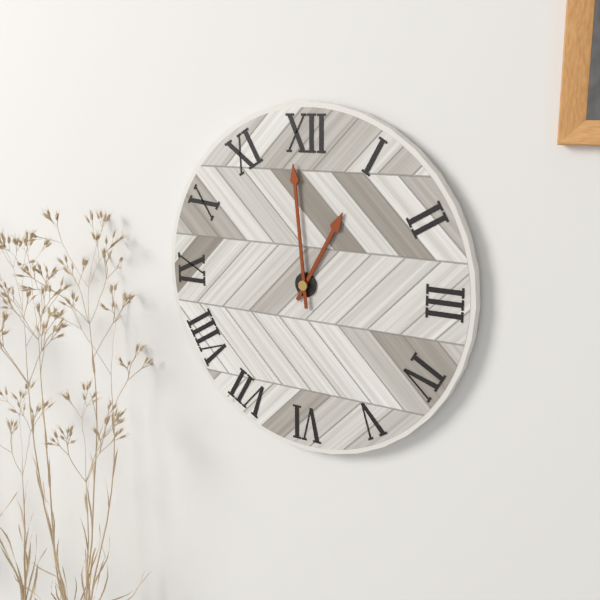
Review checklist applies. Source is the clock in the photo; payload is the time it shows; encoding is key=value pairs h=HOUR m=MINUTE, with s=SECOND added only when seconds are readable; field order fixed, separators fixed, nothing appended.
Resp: h=12 m=59
